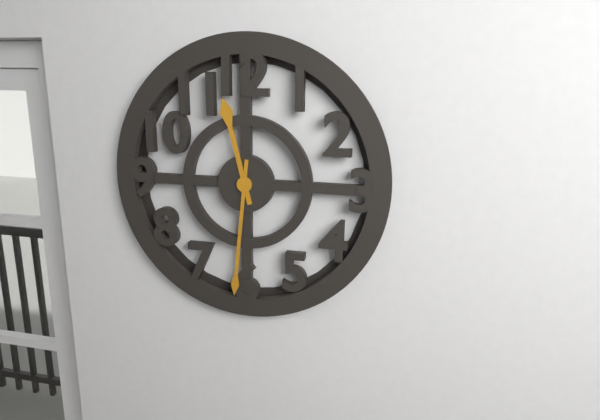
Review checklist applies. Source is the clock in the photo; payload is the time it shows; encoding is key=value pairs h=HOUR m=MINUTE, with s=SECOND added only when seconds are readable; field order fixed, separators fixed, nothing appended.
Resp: h=11 m=31
